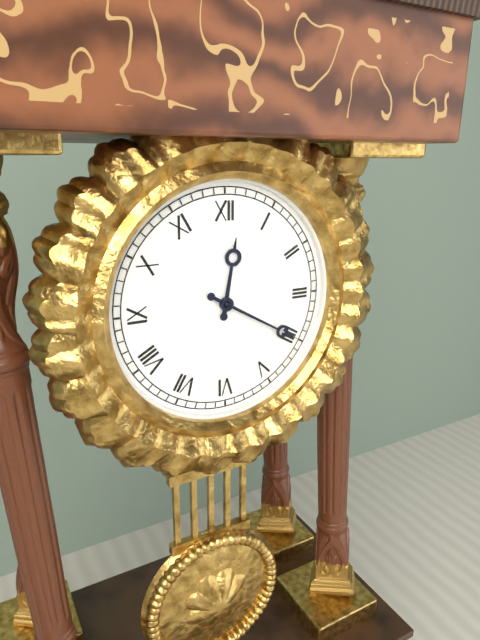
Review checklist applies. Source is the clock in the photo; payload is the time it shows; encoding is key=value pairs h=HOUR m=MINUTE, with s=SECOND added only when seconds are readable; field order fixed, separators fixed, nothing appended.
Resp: h=12 m=20
